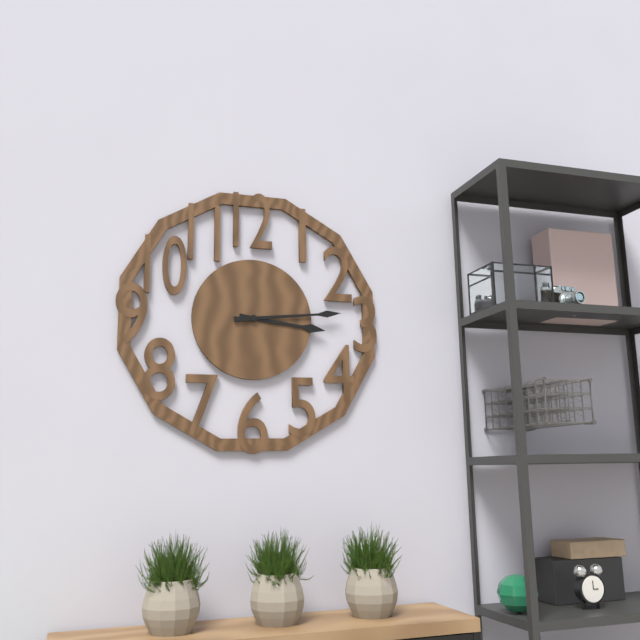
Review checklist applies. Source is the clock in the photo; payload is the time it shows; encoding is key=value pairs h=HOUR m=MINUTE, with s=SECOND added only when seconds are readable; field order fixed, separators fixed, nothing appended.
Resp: h=3 m=14
